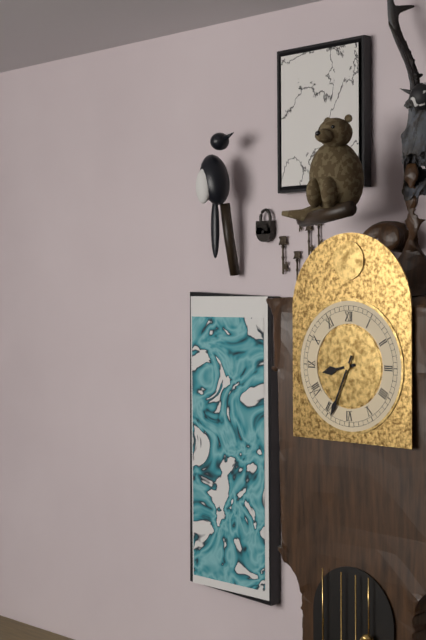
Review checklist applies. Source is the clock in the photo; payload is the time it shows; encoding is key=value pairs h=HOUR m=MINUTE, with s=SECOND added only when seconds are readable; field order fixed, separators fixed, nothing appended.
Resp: h=8 m=34
